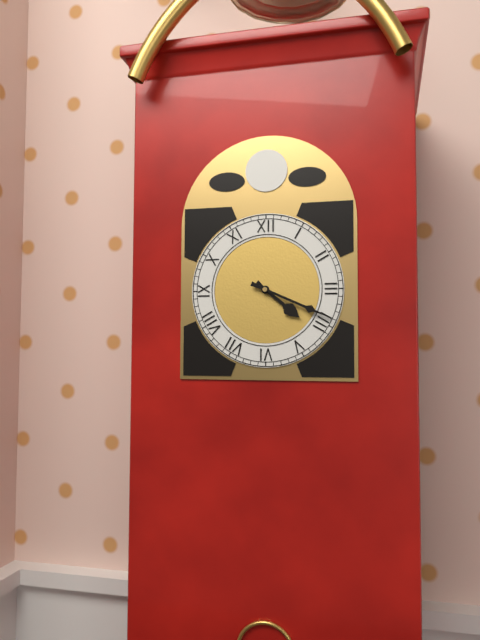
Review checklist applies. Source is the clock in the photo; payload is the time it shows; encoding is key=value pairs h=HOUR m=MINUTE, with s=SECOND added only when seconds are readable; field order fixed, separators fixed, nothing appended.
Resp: h=4 m=19
